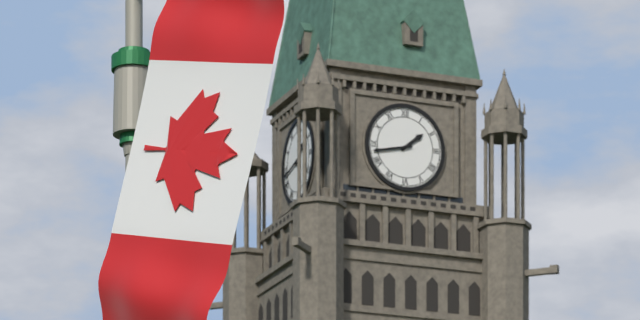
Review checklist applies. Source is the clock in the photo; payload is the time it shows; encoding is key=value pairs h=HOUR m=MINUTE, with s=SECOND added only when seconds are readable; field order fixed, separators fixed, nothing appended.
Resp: h=1 m=43
